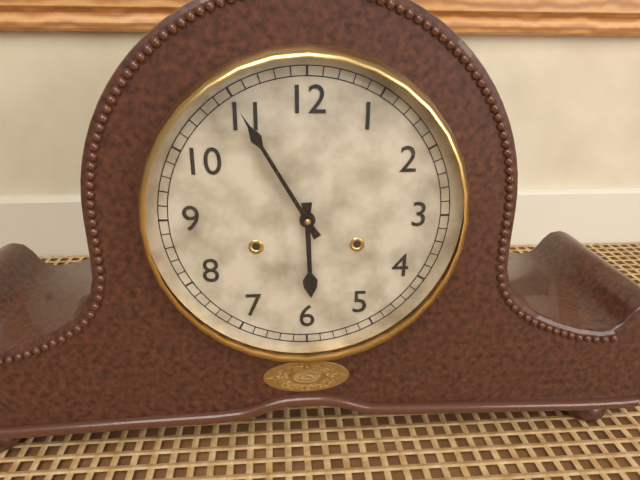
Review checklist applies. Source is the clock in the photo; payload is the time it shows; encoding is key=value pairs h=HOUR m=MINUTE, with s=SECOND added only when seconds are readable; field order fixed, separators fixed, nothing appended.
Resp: h=5 m=55
